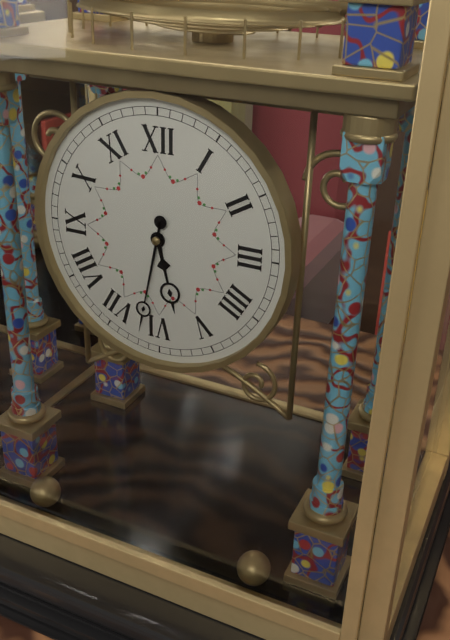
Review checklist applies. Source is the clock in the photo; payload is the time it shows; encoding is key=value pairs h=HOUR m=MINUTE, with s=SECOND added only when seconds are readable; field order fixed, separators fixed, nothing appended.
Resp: h=5 m=32
